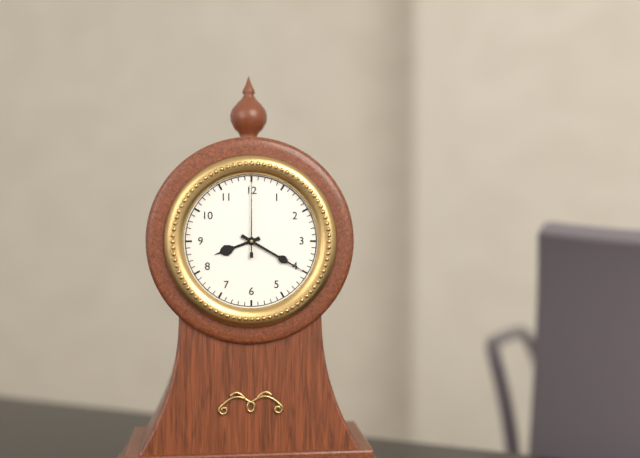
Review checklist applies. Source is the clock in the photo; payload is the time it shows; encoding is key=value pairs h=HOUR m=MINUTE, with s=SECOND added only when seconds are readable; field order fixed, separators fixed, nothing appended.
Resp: h=8 m=20 s=0
